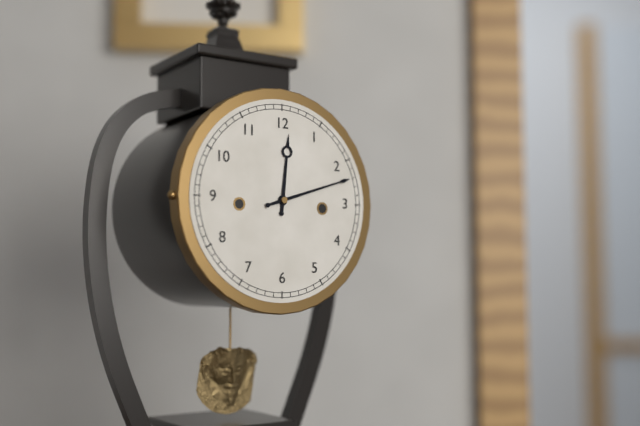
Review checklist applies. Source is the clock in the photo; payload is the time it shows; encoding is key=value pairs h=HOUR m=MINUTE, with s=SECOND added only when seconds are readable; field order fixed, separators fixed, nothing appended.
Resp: h=12 m=12
